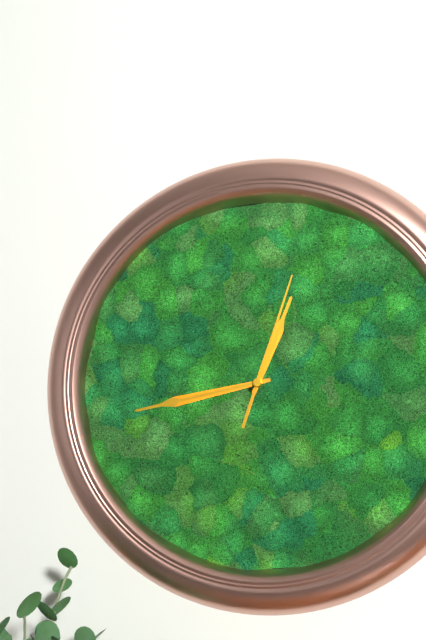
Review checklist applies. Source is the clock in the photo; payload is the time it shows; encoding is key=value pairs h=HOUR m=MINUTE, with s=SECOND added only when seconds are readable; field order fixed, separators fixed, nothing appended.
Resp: h=12 m=43 s=3
